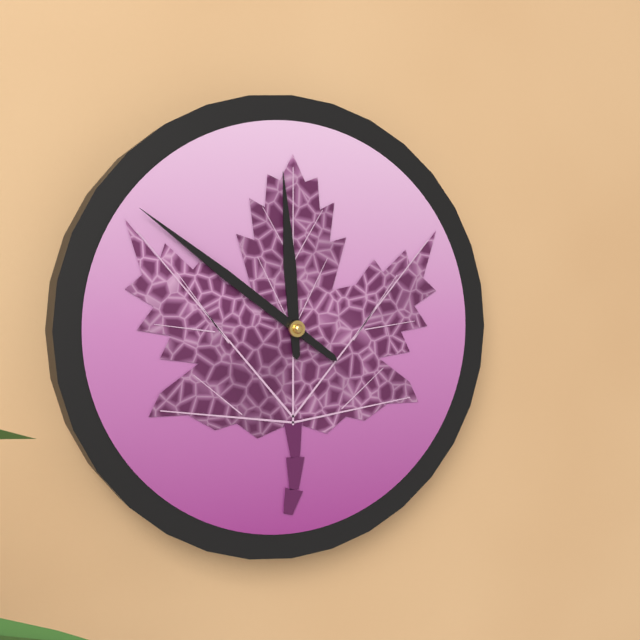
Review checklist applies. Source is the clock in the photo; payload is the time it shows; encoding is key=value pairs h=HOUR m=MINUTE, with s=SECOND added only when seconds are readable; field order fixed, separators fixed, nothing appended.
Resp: h=11 m=51
